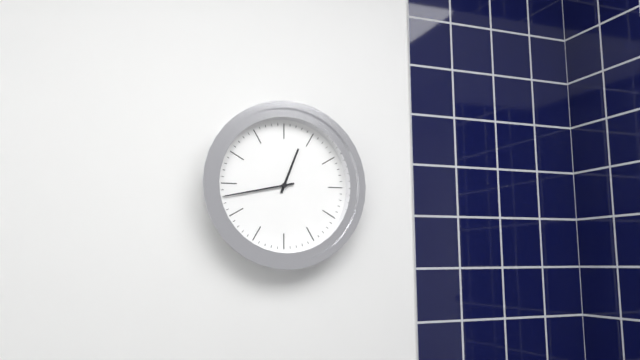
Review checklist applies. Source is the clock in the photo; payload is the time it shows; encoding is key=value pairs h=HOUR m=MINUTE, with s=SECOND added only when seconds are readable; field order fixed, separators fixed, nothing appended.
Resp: h=12 m=43
